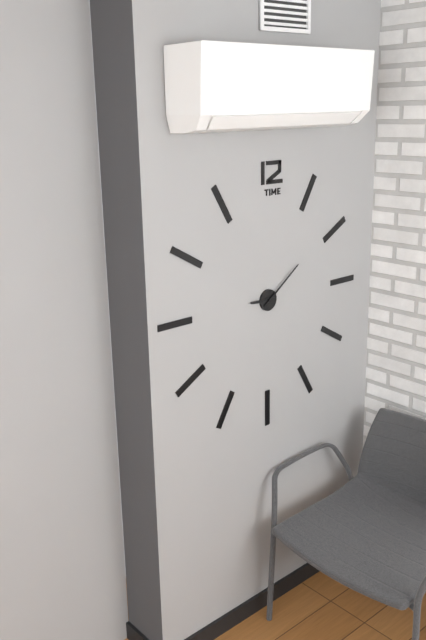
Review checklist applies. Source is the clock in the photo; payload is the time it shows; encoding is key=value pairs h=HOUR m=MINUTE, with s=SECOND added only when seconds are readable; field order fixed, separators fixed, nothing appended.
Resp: h=9 m=9
